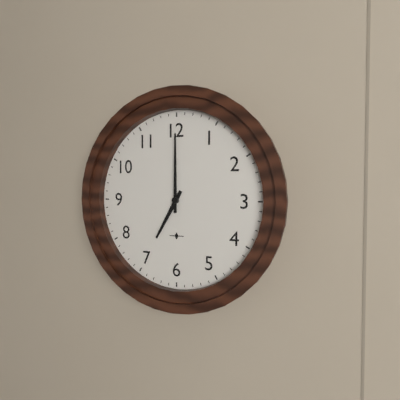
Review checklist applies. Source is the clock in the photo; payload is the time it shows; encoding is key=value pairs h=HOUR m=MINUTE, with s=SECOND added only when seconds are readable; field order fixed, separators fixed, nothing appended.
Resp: h=7 m=0
